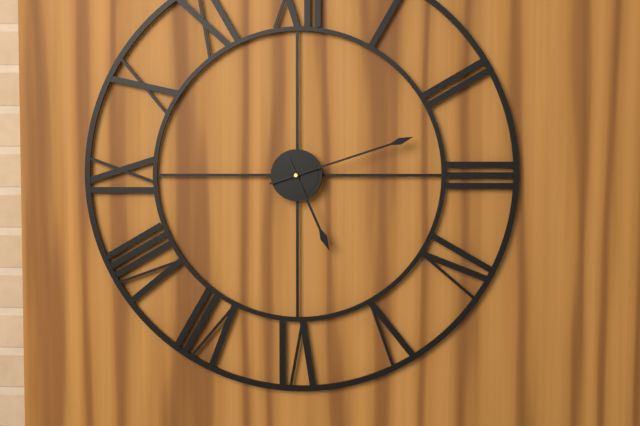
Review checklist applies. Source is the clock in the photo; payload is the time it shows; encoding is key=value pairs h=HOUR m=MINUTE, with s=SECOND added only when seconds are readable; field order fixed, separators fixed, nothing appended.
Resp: h=5 m=12
